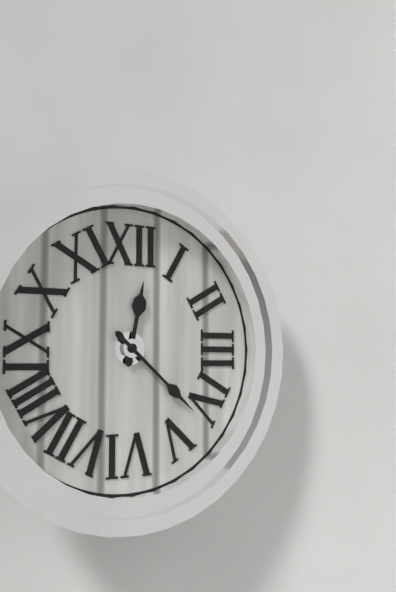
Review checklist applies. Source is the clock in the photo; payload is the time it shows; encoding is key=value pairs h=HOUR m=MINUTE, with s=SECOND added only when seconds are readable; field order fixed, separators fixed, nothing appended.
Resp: h=12 m=22
